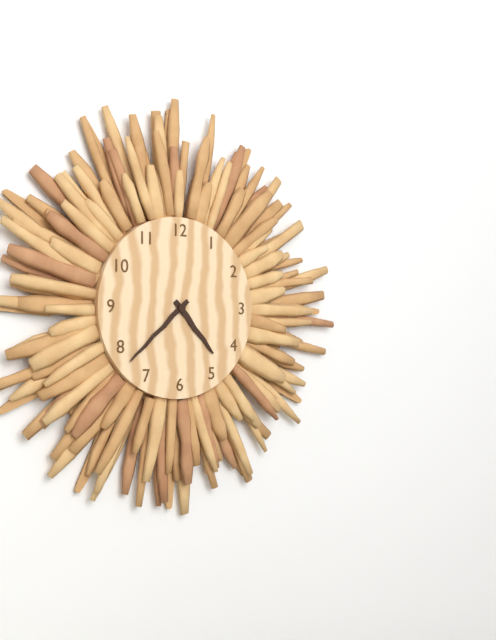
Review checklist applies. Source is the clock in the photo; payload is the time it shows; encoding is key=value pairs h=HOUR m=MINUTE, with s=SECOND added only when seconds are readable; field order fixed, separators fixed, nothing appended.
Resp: h=4 m=38
